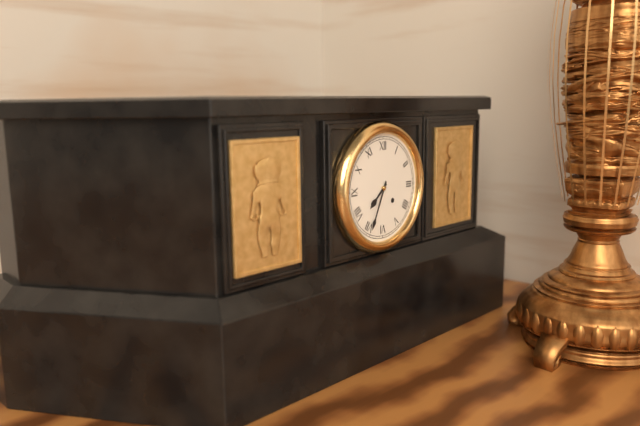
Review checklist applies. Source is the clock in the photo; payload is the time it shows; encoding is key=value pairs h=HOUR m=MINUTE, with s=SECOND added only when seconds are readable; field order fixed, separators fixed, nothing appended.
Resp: h=7 m=34
